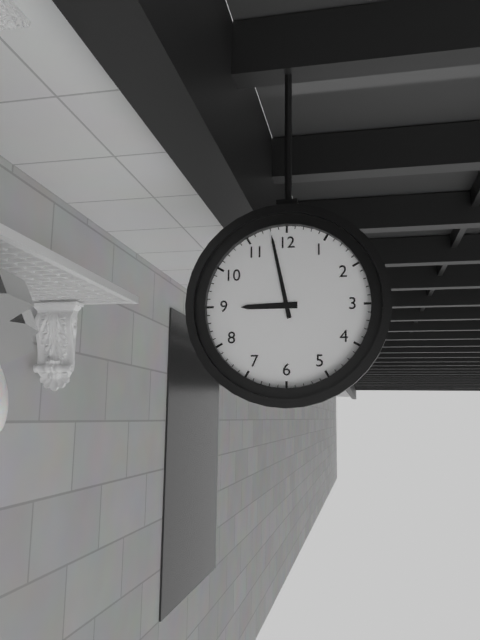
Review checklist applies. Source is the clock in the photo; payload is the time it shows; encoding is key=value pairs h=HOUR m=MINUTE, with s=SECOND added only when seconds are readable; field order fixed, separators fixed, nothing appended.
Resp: h=8 m=58
